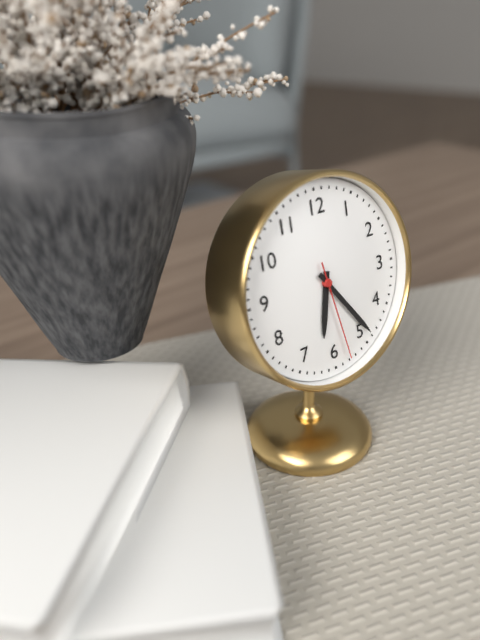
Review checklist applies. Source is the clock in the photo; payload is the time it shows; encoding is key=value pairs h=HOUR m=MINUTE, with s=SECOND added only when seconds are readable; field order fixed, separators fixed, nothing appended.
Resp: h=6 m=24 s=28
